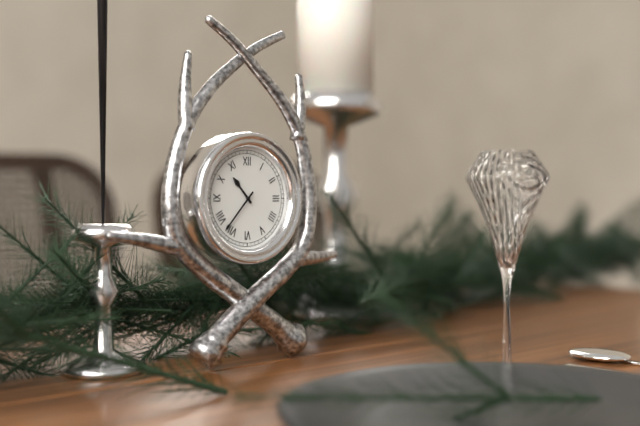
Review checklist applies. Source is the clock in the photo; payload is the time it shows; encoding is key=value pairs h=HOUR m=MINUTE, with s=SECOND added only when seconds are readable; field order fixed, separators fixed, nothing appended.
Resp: h=10 m=37
